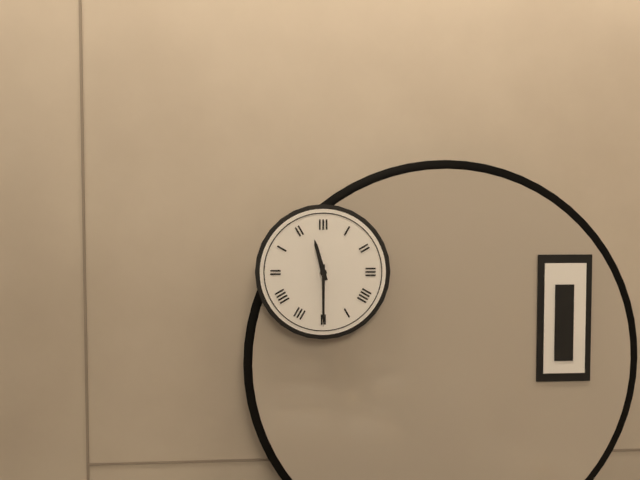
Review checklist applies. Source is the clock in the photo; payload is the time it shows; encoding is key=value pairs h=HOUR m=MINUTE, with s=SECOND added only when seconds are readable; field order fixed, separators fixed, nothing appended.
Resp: h=11 m=30
